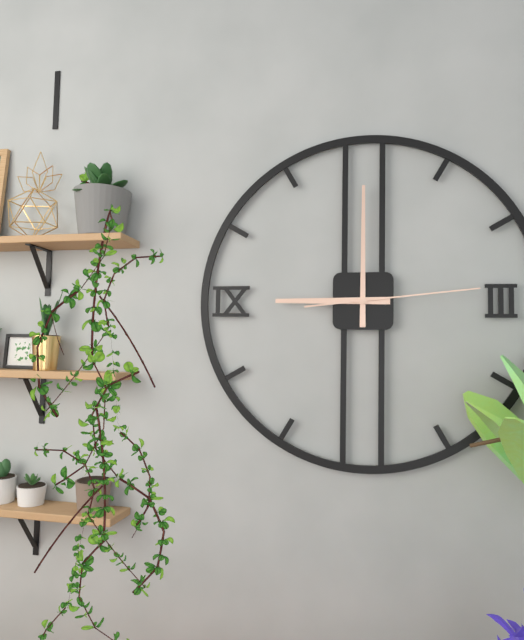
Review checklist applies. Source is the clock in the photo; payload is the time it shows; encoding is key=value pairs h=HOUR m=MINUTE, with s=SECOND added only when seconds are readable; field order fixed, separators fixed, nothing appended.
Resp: h=9 m=0 s=14
